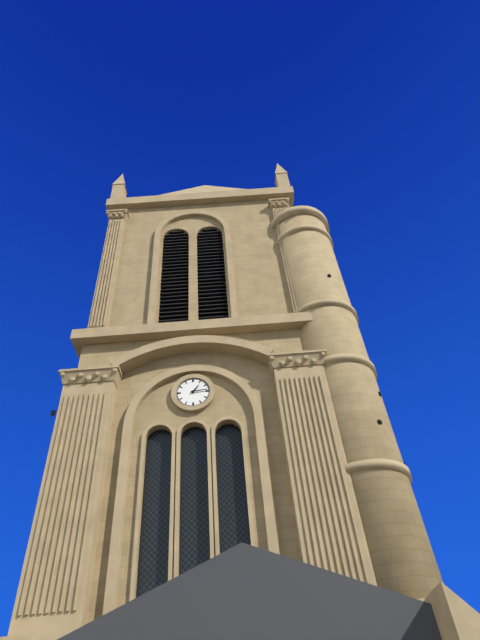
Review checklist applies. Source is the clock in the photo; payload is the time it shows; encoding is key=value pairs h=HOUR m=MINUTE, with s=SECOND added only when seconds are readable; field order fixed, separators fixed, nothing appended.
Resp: h=1 m=14
